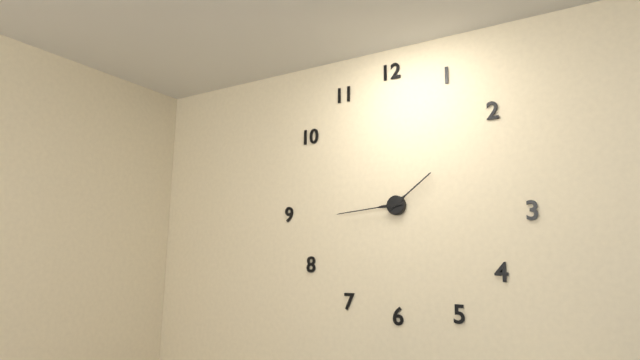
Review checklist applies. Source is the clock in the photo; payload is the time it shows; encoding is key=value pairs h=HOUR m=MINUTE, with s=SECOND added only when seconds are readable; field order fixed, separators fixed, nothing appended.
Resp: h=1 m=44
